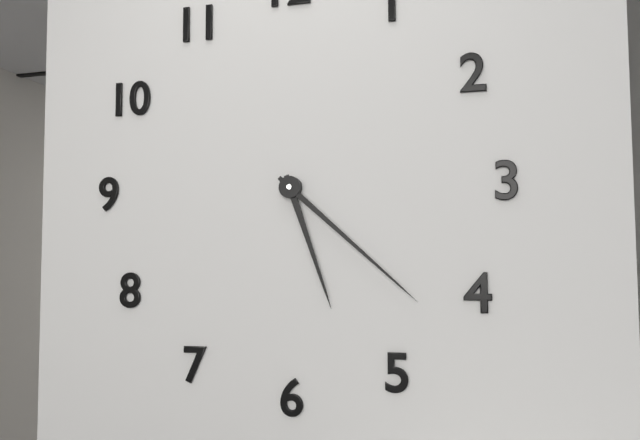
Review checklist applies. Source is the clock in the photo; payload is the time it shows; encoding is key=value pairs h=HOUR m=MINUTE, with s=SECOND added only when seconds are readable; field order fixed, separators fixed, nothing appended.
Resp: h=5 m=22
